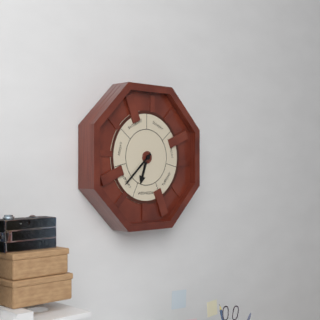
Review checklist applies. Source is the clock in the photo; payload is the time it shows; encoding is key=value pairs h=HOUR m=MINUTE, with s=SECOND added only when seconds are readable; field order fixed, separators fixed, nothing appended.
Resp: h=6 m=38
